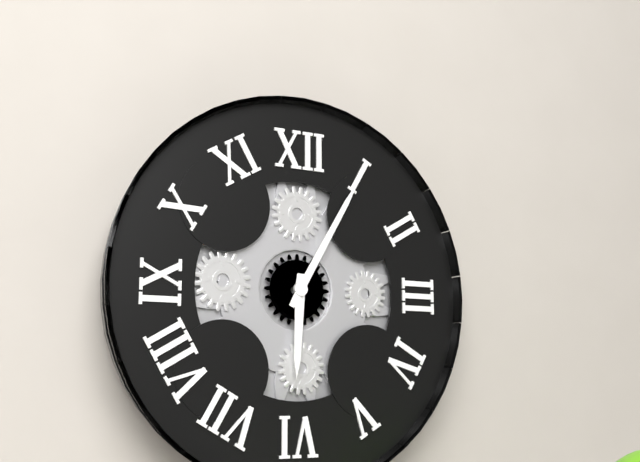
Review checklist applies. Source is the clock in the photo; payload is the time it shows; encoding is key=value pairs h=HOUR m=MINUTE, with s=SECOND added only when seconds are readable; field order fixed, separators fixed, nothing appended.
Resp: h=6 m=5
